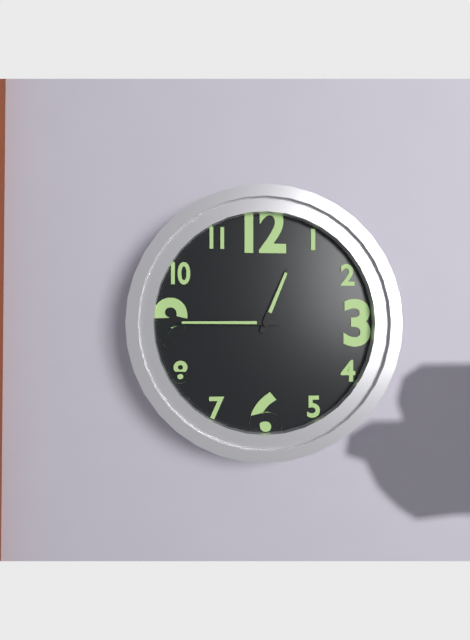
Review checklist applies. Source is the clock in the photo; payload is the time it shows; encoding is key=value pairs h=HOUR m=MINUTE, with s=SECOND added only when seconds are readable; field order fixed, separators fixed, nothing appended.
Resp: h=12 m=45
